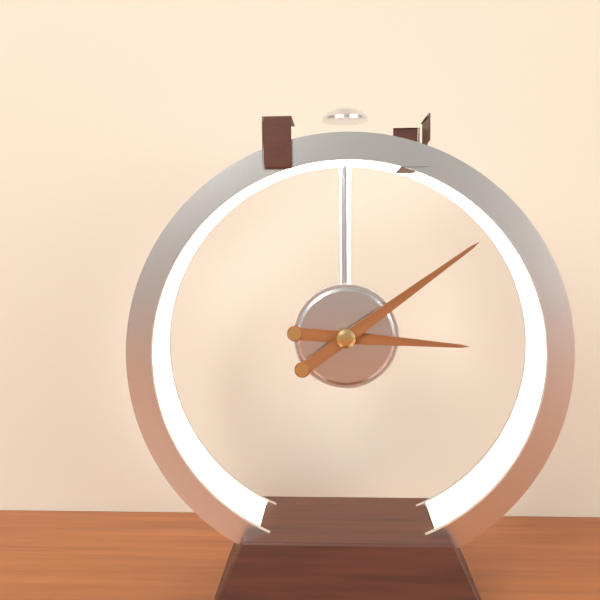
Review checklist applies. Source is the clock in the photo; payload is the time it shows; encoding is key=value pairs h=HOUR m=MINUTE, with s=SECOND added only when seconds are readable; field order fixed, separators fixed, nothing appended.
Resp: h=3 m=9
